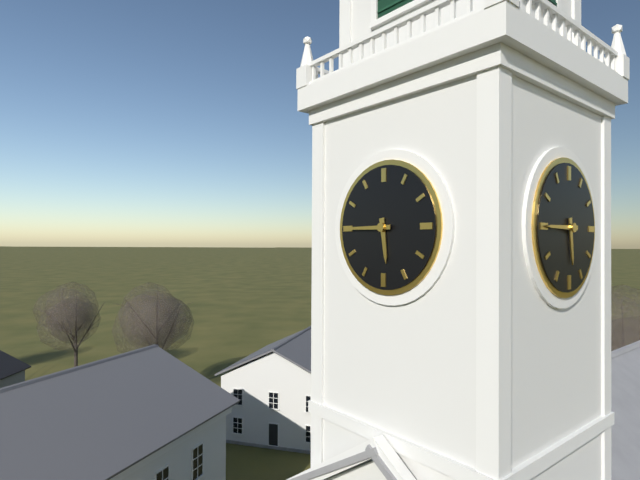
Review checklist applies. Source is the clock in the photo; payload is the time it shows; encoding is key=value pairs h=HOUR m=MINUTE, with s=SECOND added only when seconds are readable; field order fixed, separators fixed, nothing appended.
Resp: h=5 m=45
